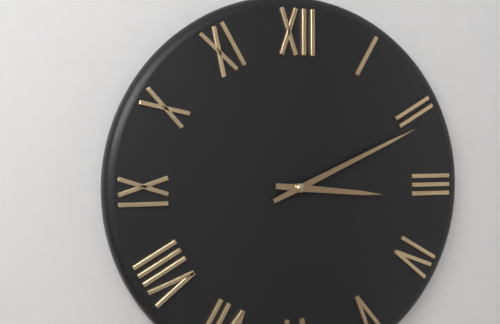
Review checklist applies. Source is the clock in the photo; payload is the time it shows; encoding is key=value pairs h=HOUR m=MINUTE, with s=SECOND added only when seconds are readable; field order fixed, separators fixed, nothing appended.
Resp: h=3 m=11
